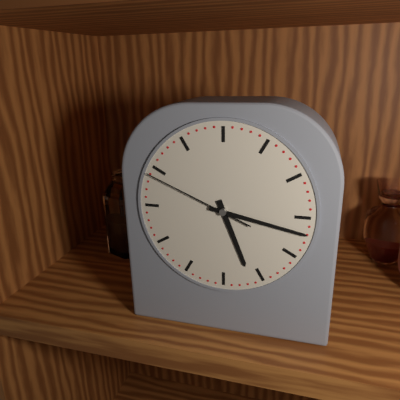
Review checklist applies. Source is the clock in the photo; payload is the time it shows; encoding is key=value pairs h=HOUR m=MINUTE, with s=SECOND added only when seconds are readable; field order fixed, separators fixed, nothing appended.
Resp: h=5 m=17 s=49
